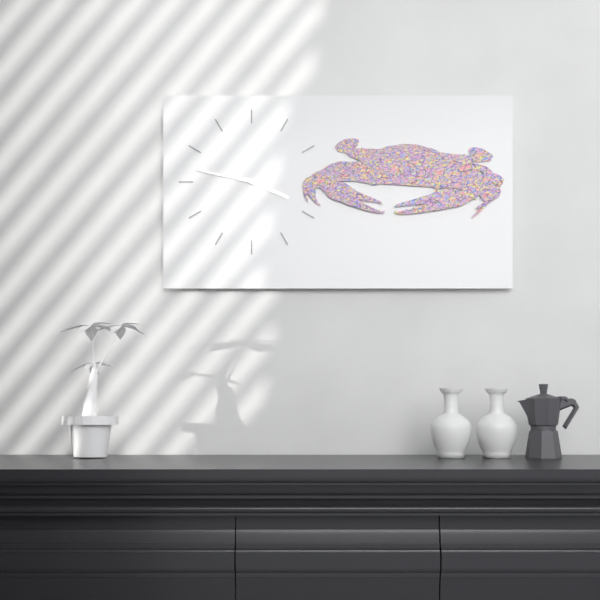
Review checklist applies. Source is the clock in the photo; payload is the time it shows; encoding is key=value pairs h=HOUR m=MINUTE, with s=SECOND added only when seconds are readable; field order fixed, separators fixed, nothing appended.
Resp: h=3 m=47
